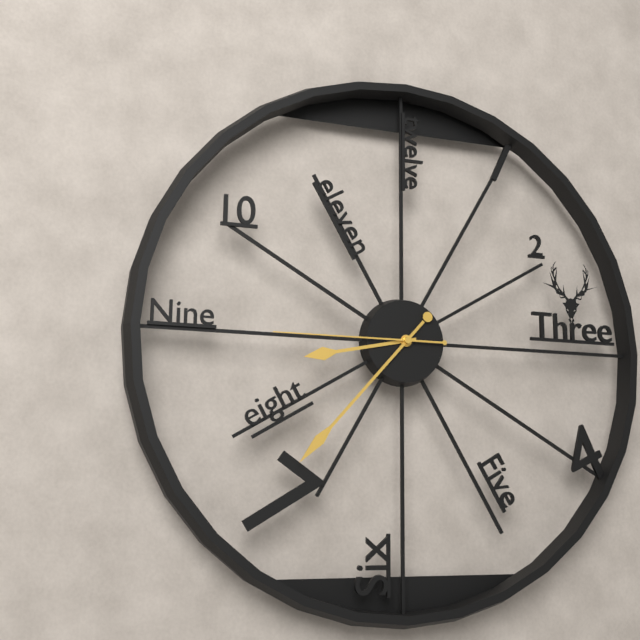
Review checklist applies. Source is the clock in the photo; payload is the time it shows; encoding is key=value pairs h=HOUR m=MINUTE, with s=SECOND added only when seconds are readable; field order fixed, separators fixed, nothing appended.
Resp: h=8 m=37 s=45
